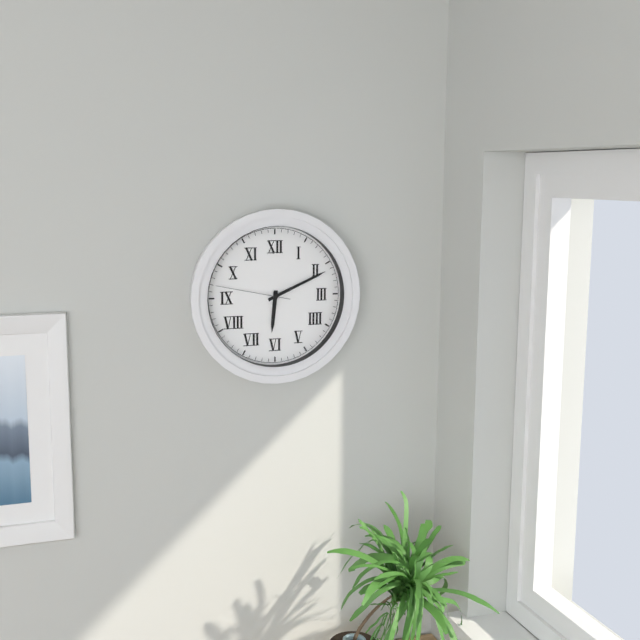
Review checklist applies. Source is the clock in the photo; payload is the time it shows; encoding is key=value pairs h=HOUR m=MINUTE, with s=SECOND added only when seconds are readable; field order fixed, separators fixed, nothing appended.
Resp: h=6 m=11 s=47
